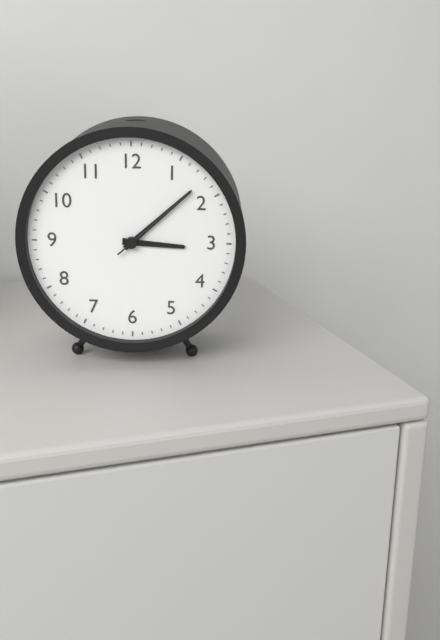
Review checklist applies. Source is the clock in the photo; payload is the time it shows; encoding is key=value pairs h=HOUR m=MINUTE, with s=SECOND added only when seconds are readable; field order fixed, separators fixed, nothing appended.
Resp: h=3 m=8 s=8
